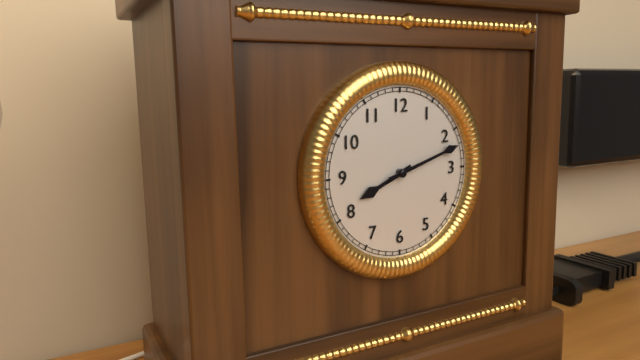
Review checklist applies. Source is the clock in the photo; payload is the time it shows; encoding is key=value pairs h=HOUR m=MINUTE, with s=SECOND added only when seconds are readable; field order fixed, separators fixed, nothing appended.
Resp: h=8 m=12
